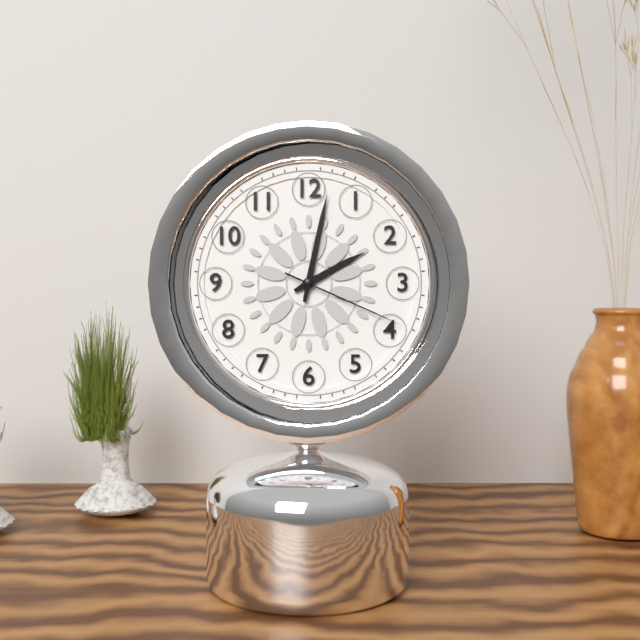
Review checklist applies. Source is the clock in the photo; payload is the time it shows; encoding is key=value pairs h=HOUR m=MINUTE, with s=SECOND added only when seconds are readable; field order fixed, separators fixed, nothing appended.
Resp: h=2 m=2 s=19
